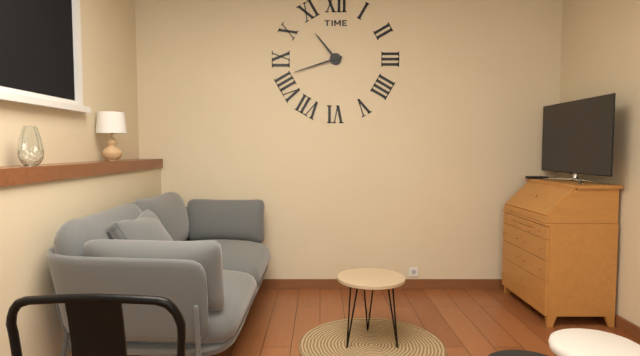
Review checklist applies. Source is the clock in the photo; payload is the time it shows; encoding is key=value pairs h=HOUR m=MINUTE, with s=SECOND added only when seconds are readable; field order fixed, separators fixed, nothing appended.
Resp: h=10 m=42
